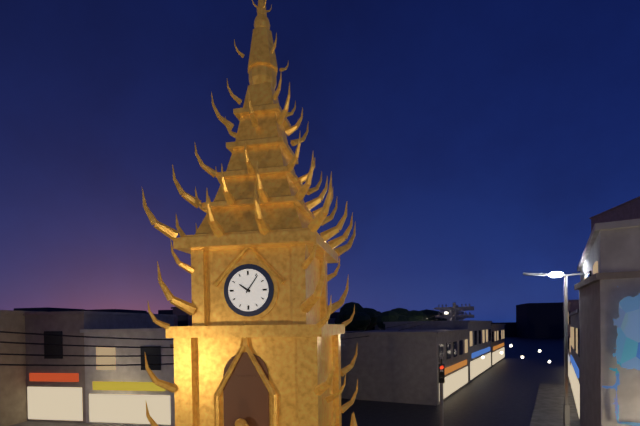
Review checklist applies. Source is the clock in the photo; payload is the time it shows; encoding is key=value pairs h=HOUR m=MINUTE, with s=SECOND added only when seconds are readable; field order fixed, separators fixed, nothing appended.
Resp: h=10 m=6
